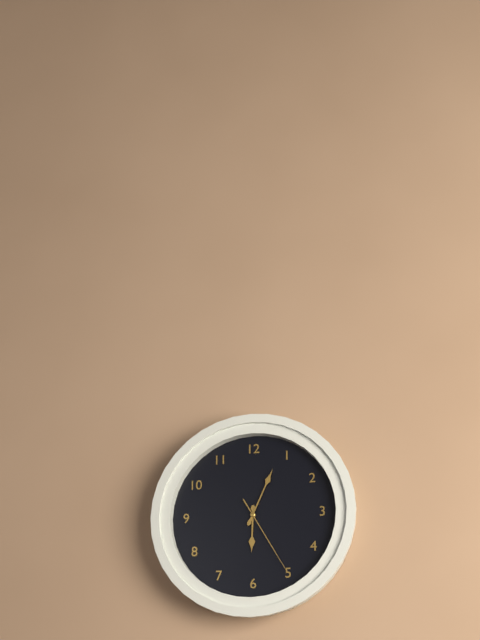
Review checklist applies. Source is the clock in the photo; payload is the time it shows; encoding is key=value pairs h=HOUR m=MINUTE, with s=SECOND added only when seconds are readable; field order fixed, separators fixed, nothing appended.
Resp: h=6 m=4 s=25
